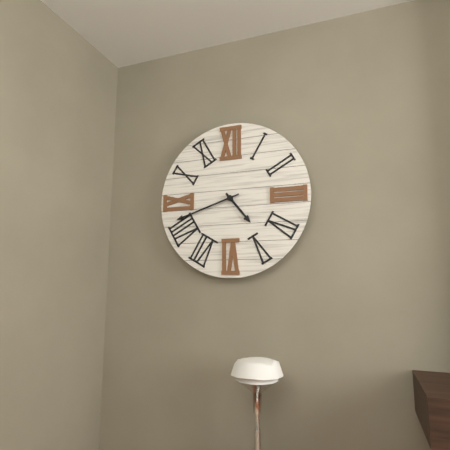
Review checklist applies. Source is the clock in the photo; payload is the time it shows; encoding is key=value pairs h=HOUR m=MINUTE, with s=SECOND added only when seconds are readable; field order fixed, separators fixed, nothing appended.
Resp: h=4 m=42
